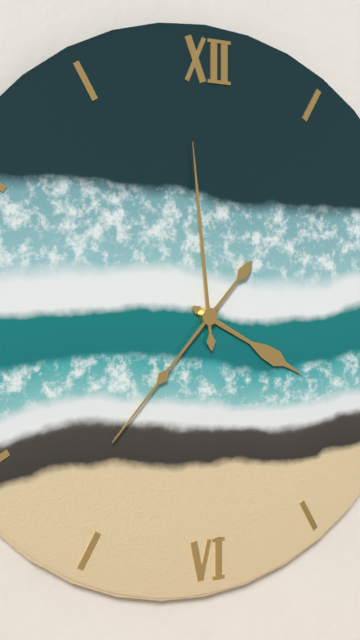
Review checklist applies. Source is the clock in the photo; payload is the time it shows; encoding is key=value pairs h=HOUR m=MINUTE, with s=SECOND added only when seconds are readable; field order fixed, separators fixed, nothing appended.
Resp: h=3 m=59 s=37
